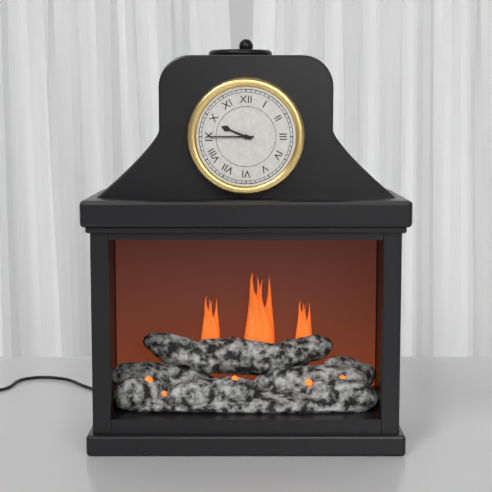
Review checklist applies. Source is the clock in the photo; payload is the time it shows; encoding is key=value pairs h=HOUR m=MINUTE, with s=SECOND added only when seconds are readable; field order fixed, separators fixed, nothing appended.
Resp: h=9 m=45
